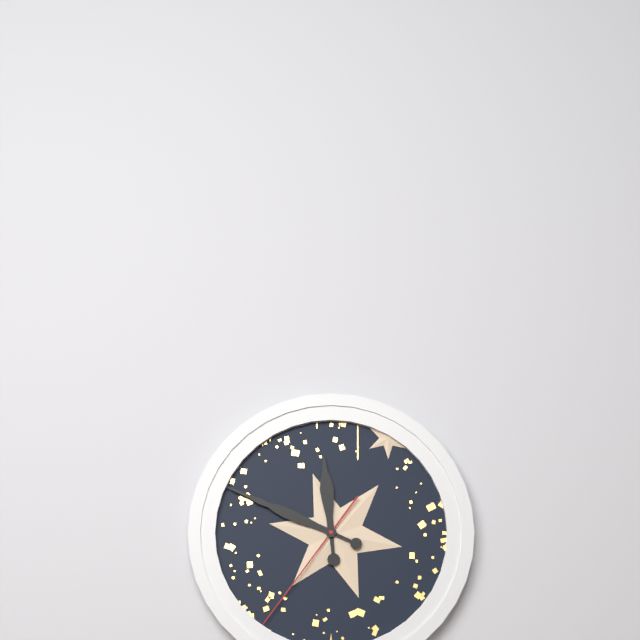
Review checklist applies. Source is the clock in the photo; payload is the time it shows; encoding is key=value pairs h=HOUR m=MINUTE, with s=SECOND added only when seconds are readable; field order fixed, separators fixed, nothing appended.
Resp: h=11 m=49 s=36
